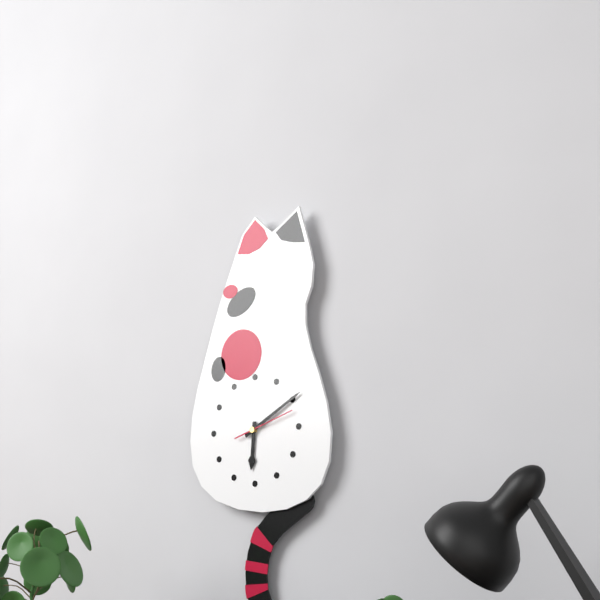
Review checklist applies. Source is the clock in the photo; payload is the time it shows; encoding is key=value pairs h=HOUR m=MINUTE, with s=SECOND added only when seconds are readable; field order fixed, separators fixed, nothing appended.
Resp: h=6 m=10 s=12
